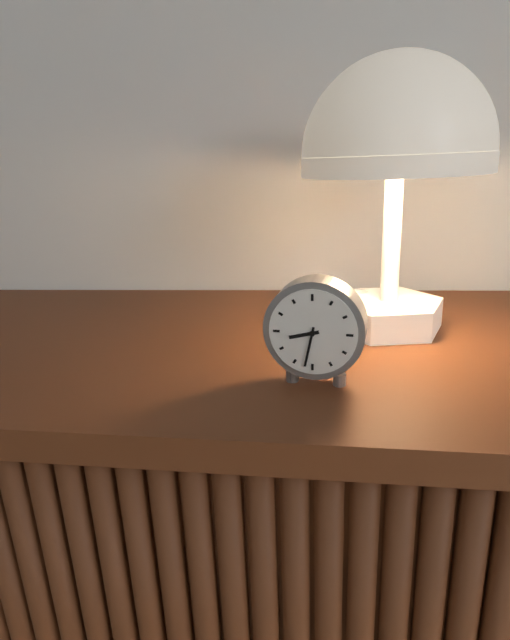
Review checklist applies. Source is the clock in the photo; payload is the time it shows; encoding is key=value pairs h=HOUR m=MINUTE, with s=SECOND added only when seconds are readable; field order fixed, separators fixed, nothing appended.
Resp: h=8 m=32
